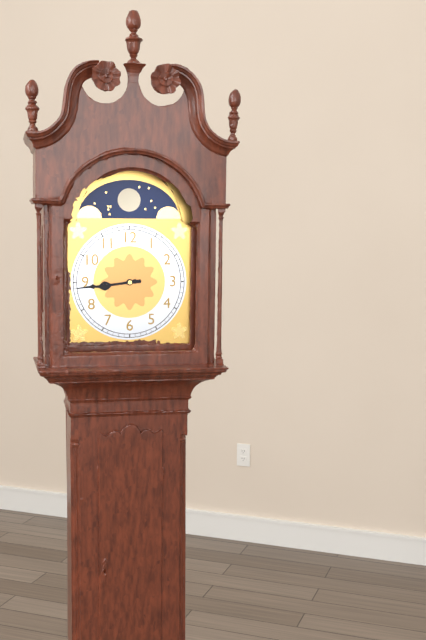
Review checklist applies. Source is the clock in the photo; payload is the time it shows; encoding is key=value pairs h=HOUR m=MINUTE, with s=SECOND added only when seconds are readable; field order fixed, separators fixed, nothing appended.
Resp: h=8 m=44
